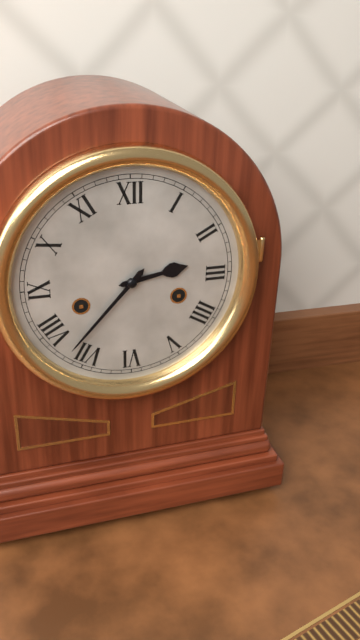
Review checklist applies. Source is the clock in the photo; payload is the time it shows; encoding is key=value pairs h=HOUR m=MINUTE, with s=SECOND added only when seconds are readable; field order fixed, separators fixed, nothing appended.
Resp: h=2 m=37
